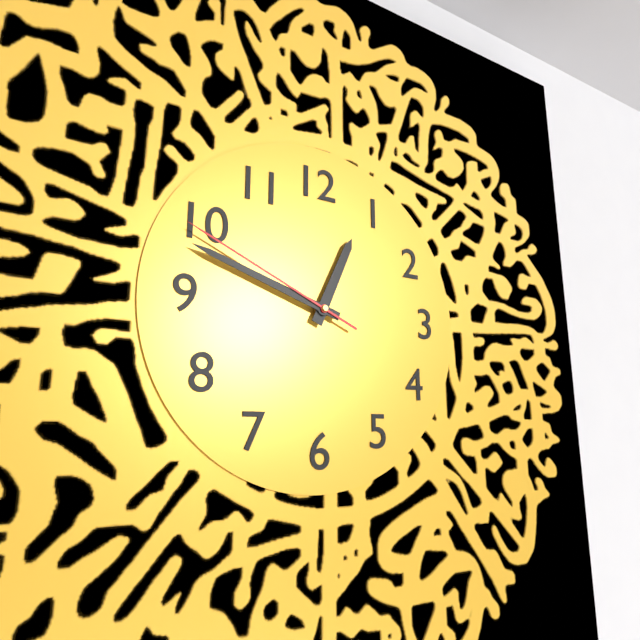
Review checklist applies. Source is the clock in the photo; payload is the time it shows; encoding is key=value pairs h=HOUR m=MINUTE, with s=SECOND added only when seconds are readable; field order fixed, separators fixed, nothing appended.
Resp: h=12 m=48 s=49
